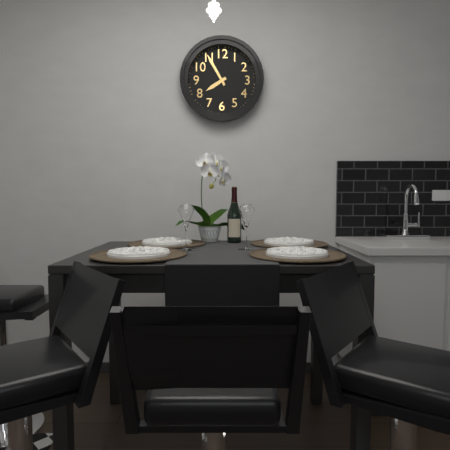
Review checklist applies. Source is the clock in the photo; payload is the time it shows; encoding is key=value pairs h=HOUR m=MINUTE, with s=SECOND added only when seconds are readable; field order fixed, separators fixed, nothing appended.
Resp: h=7 m=55
